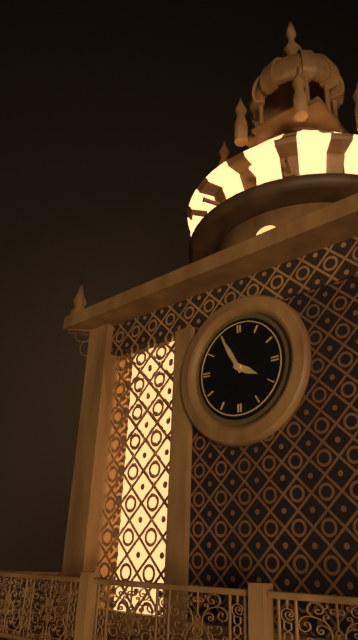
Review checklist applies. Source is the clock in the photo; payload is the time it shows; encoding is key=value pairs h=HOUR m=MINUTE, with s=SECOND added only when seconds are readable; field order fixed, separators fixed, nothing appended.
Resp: h=3 m=55
